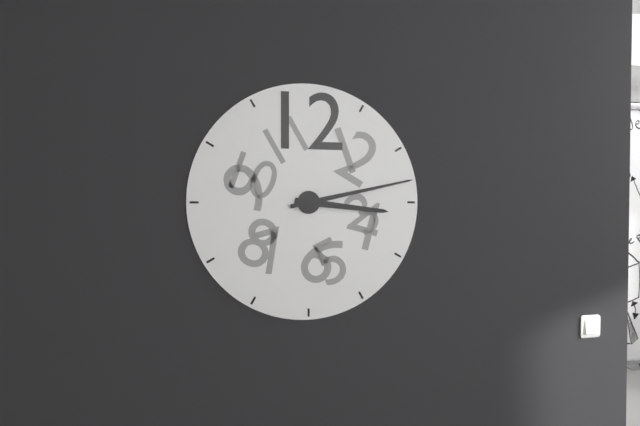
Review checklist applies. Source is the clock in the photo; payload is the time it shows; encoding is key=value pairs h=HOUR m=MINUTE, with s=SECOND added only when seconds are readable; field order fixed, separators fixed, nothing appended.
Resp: h=3 m=13
